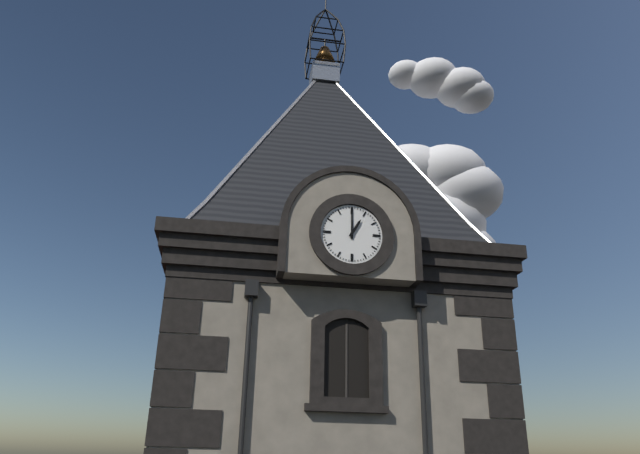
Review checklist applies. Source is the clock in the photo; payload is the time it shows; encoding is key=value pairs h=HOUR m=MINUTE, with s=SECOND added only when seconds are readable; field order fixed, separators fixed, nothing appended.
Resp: h=1 m=0
